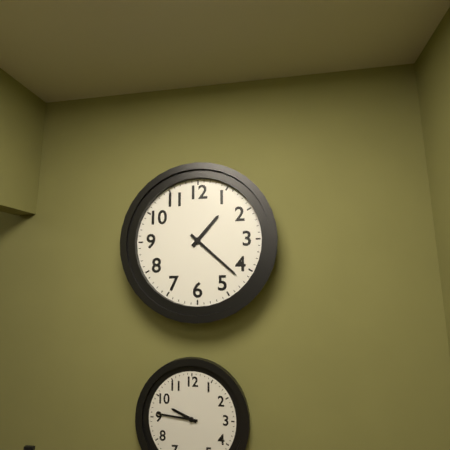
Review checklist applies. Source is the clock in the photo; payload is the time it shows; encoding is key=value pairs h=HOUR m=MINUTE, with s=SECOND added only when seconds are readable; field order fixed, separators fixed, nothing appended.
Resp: h=1 m=22
